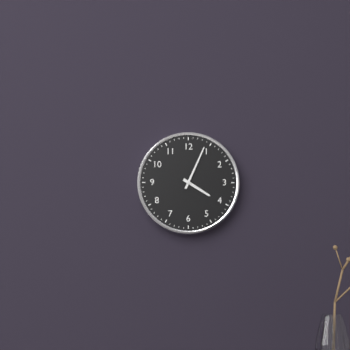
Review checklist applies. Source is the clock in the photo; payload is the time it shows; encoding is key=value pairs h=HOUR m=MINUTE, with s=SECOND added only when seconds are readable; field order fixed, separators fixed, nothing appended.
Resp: h=4 m=4
